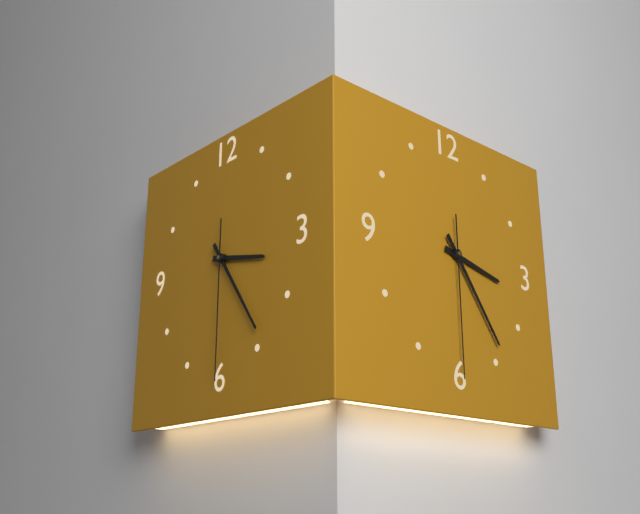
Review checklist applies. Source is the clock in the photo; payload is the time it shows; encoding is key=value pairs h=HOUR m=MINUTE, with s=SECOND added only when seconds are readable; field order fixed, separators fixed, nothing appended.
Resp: h=3 m=24 s=30
